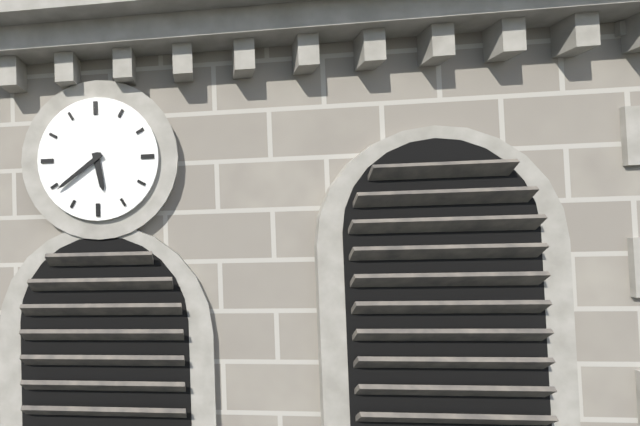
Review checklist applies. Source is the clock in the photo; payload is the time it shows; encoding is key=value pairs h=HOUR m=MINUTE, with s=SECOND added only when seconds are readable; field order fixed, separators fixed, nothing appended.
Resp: h=5 m=39
